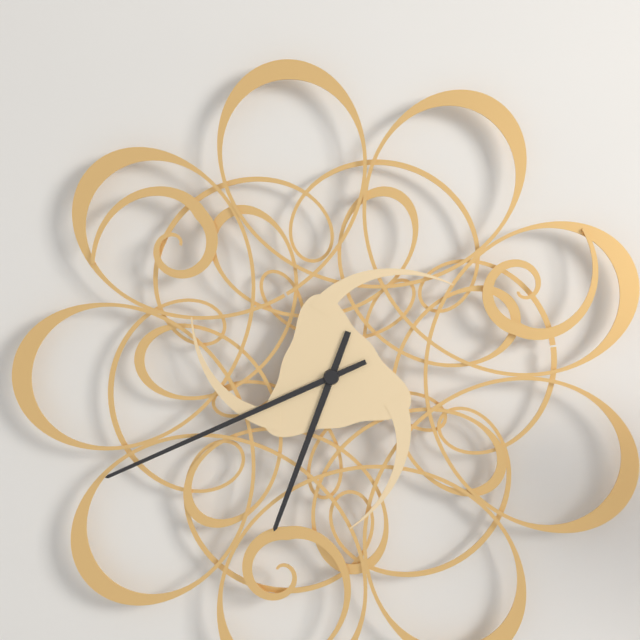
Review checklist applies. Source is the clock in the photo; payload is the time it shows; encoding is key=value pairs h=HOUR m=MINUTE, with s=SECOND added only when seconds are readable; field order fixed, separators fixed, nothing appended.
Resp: h=6 m=41
